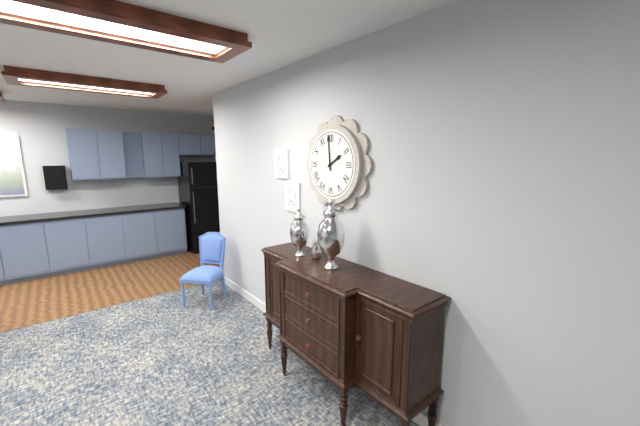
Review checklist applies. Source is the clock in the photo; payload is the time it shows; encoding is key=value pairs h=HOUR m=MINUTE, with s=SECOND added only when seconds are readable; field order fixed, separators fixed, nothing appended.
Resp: h=1 m=59
